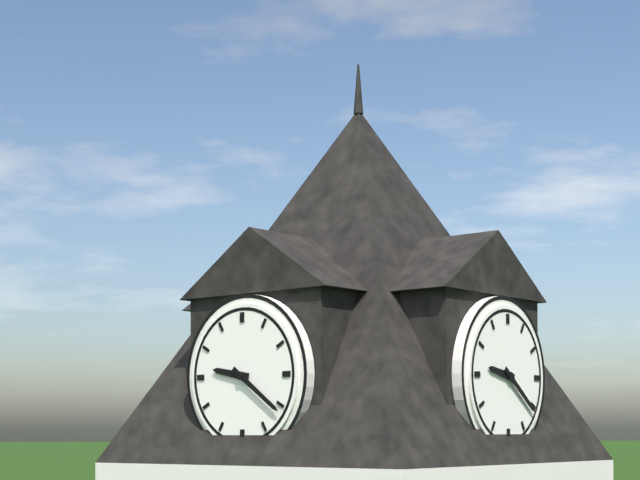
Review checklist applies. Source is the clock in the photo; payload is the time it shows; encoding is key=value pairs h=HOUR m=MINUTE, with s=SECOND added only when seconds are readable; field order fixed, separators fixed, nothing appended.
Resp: h=9 m=21
